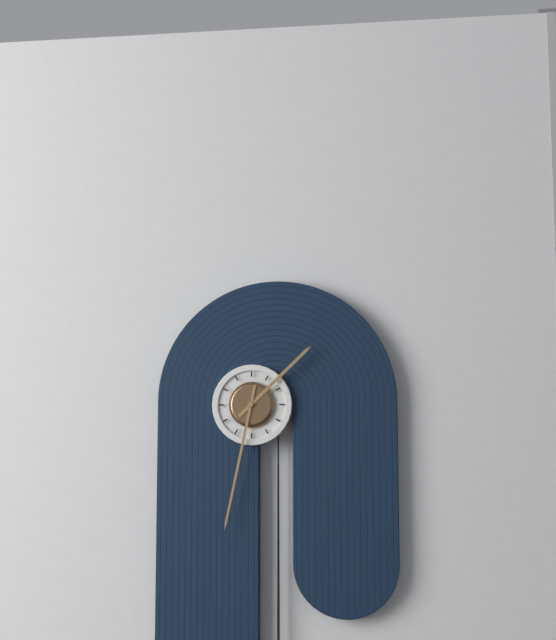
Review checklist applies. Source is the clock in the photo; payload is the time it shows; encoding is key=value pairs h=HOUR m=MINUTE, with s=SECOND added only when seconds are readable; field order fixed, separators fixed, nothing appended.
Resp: h=1 m=32
